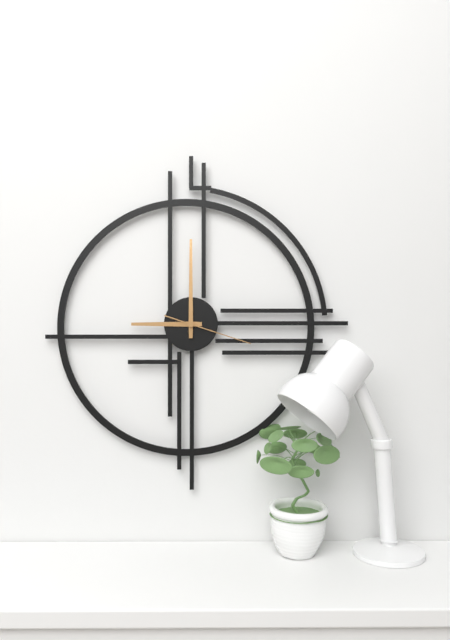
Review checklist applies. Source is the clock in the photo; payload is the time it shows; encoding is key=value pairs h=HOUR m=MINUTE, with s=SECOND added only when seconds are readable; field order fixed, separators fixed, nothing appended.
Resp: h=9 m=0 s=18
